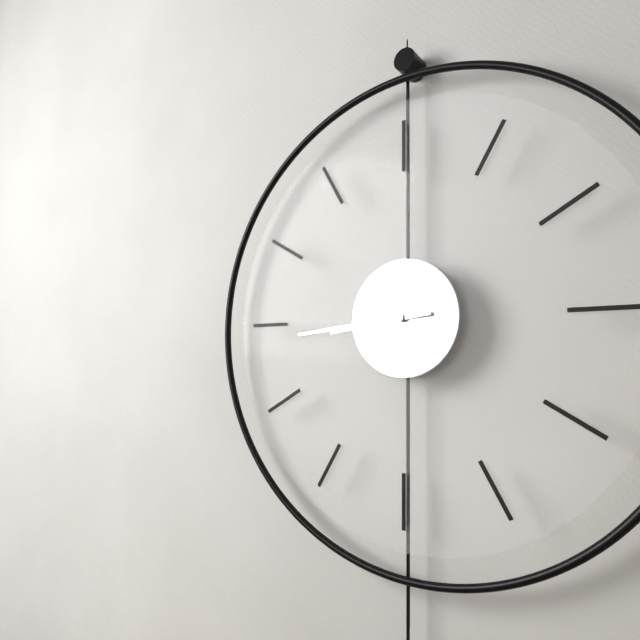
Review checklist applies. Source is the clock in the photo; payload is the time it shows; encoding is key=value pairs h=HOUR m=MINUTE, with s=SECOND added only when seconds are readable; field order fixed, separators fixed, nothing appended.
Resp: h=8 m=44
